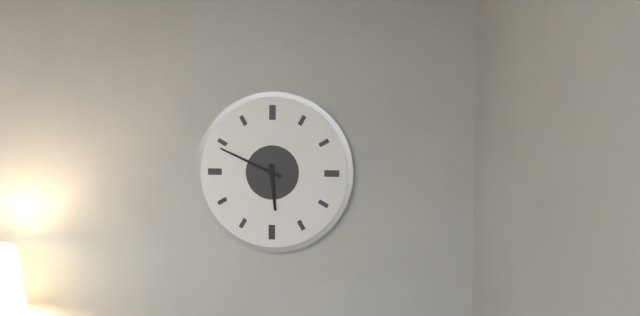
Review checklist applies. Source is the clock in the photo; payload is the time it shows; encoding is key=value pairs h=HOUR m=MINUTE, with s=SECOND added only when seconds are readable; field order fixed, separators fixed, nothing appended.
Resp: h=5 m=49
